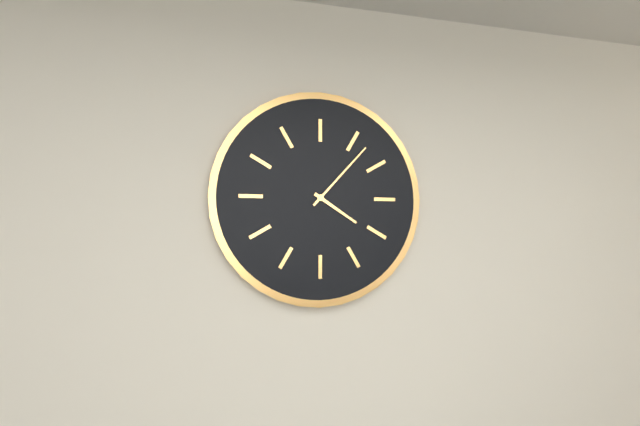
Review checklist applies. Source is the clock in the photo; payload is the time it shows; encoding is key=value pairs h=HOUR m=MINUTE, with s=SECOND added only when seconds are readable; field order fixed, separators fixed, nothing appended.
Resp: h=4 m=7
